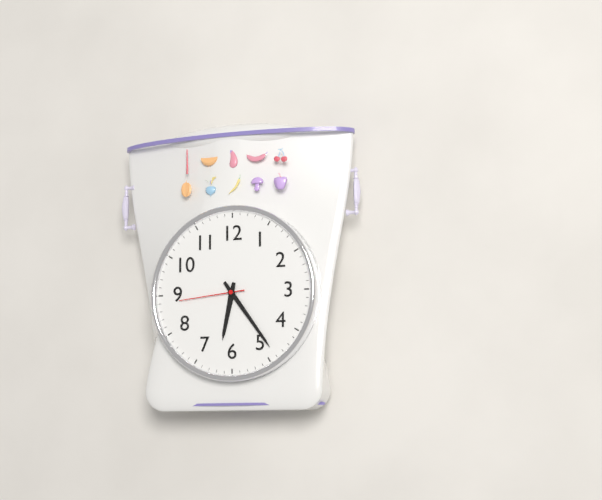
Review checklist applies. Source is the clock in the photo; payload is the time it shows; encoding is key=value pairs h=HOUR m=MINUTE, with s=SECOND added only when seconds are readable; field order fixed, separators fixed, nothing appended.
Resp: h=6 m=24 s=44
